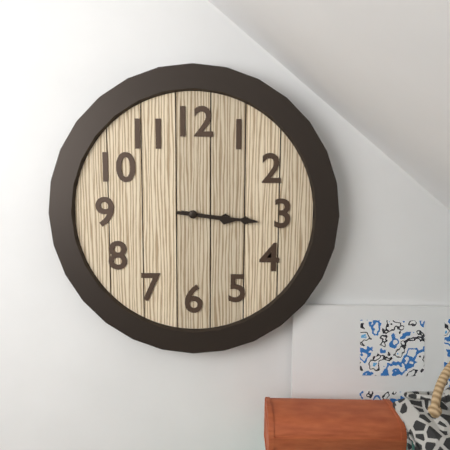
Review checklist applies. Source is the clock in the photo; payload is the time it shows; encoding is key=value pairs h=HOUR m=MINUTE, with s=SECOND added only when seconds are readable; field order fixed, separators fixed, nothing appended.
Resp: h=3 m=16
